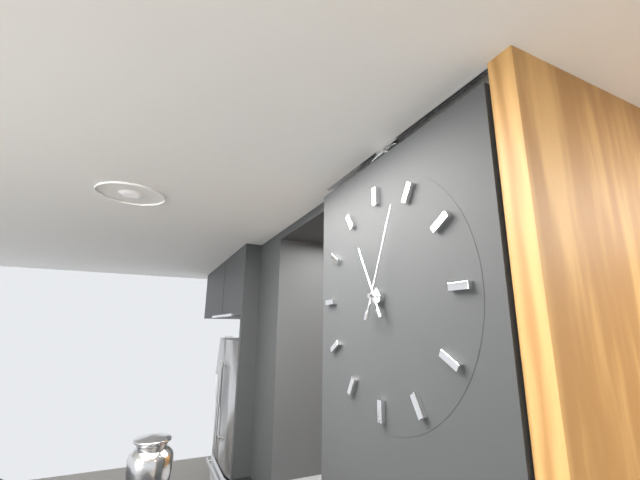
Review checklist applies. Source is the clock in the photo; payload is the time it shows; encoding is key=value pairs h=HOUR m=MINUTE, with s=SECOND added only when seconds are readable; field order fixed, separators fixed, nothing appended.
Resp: h=11 m=4
